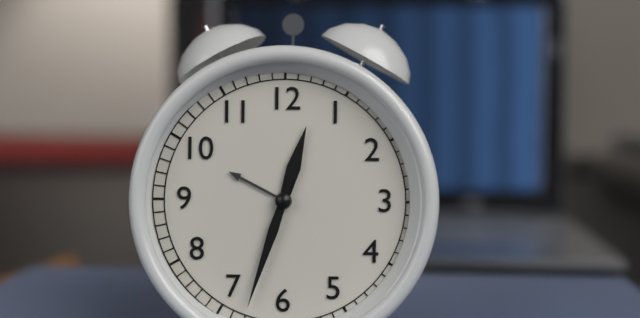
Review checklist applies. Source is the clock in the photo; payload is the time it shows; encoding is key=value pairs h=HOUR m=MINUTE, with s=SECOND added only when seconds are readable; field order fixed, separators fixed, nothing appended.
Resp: h=12 m=33
